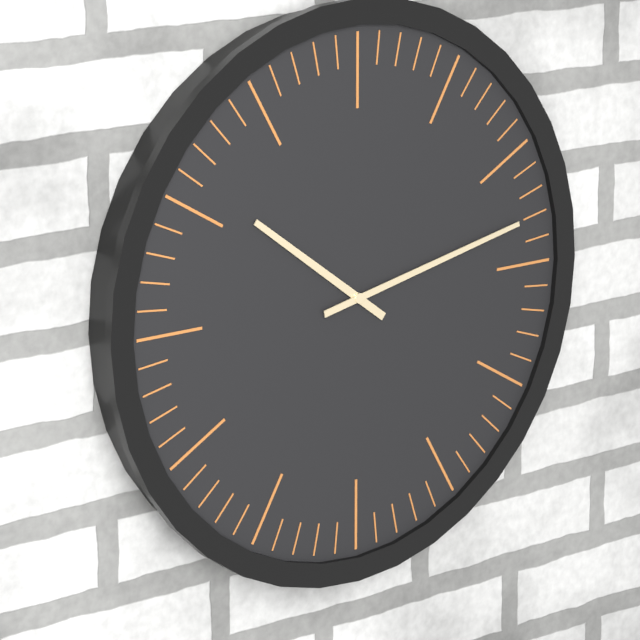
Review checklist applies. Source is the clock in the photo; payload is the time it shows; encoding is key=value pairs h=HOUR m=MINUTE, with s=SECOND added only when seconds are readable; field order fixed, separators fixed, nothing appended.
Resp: h=10 m=13
